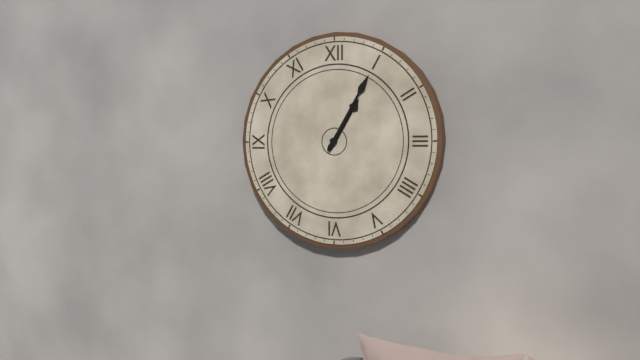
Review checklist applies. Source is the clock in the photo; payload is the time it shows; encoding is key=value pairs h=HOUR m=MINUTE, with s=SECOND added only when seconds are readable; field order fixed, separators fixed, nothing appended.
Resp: h=1 m=5
